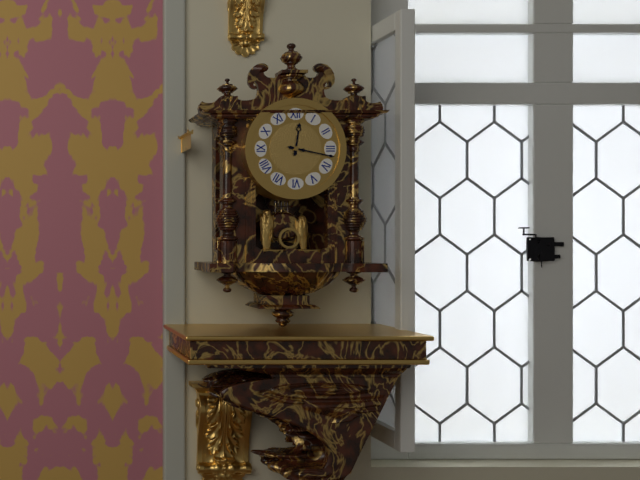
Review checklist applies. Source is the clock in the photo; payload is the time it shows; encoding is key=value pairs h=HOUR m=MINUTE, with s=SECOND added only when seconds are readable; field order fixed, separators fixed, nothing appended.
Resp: h=12 m=17
